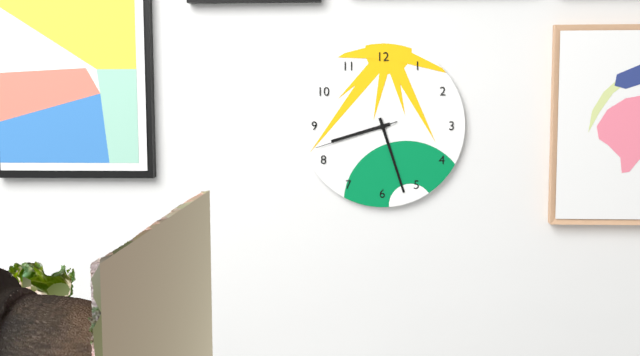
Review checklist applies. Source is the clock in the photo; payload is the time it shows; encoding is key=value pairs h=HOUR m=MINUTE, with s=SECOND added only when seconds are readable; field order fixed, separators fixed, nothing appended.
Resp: h=8 m=27 s=42
